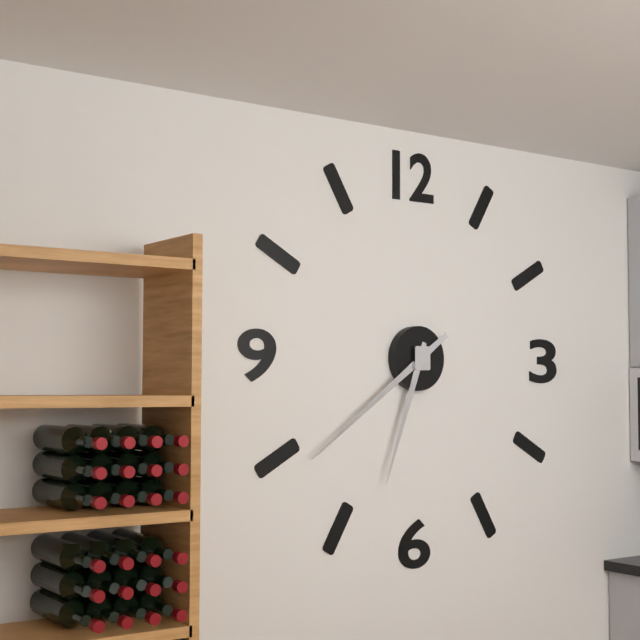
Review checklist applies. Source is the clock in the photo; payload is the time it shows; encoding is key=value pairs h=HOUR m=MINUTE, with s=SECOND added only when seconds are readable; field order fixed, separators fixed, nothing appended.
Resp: h=6 m=39
